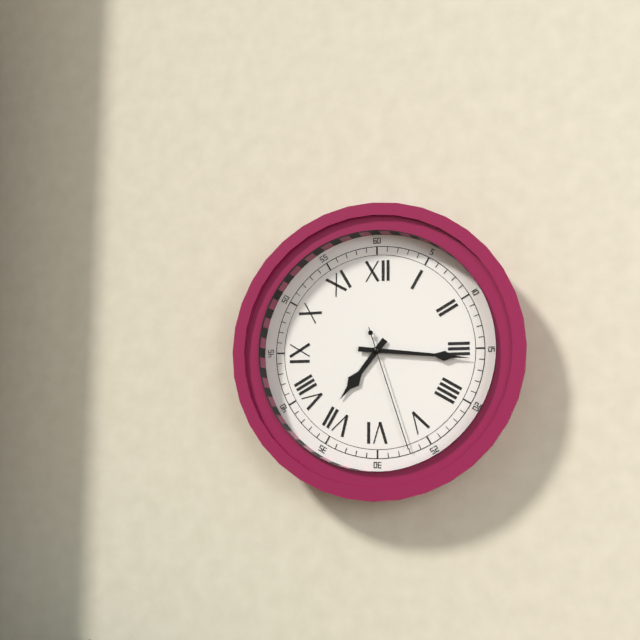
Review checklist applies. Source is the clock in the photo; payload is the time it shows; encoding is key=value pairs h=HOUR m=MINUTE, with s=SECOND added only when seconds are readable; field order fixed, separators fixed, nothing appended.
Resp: h=7 m=16 s=27
